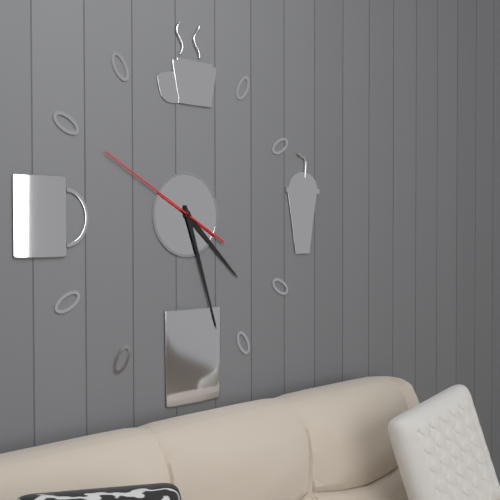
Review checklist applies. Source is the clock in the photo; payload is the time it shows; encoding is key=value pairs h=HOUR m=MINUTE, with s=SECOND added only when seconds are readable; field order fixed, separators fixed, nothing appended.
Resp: h=4 m=27 s=50
